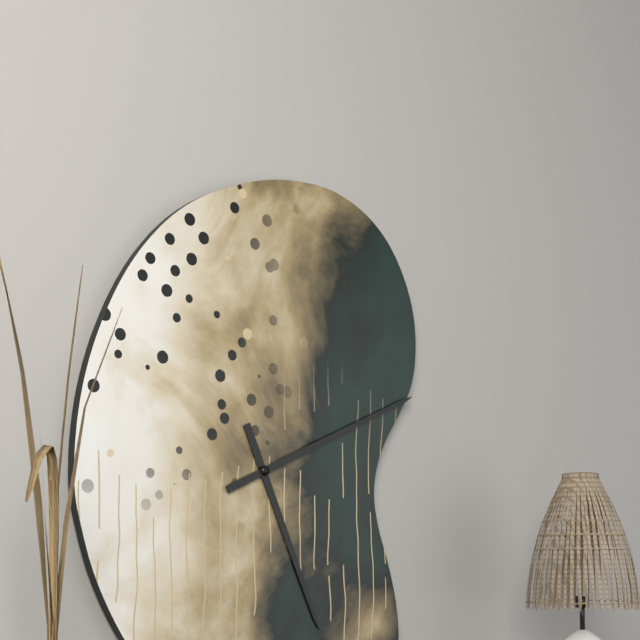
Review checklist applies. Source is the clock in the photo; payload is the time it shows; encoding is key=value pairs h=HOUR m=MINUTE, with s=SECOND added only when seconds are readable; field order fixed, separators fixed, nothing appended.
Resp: h=5 m=11
